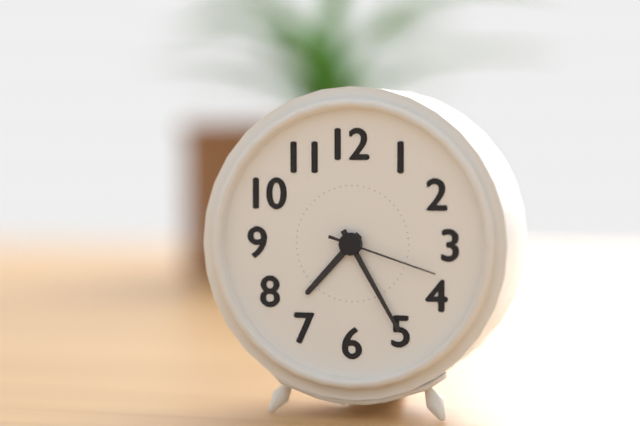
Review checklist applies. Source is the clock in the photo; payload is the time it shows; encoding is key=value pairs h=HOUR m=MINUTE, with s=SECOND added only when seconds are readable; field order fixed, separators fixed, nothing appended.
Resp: h=7 m=25 s=18
